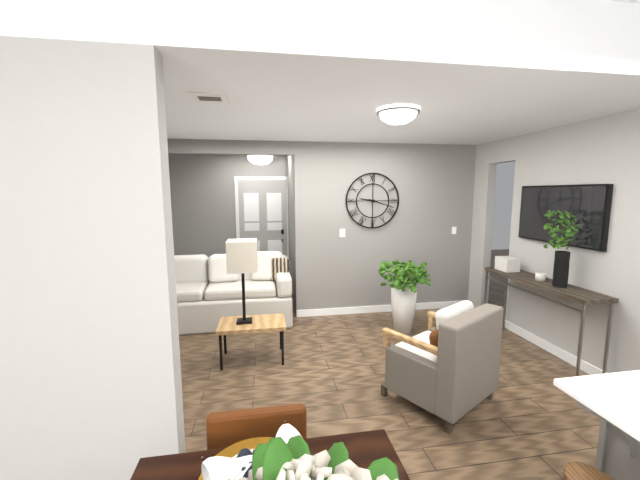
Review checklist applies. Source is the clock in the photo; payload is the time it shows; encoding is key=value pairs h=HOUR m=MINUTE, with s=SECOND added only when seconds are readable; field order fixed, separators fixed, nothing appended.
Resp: h=9 m=18
